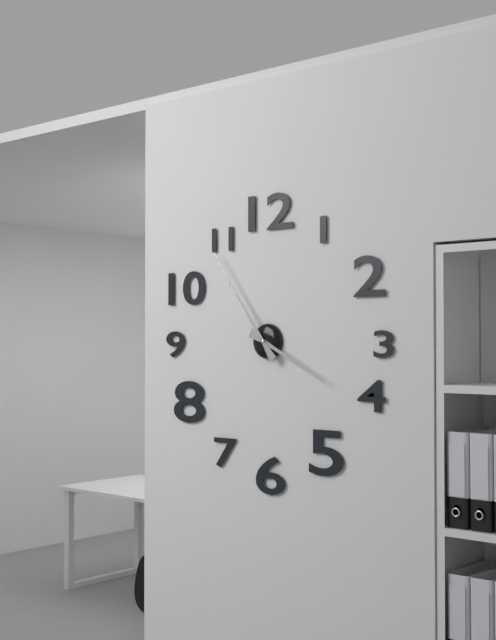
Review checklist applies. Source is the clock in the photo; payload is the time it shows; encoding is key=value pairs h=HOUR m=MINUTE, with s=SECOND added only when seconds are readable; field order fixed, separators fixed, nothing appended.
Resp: h=3 m=54
